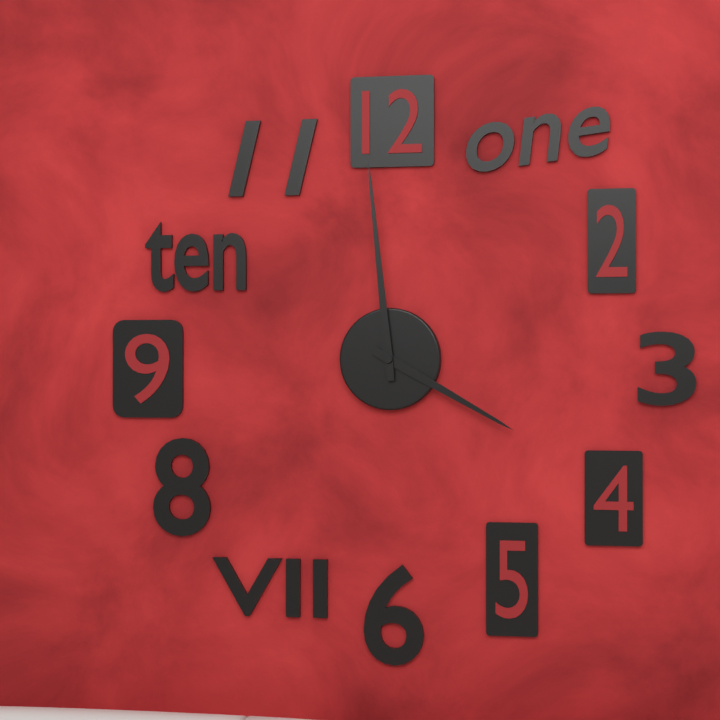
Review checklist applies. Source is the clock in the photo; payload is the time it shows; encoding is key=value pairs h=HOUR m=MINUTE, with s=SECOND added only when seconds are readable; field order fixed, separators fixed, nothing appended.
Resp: h=3 m=59
